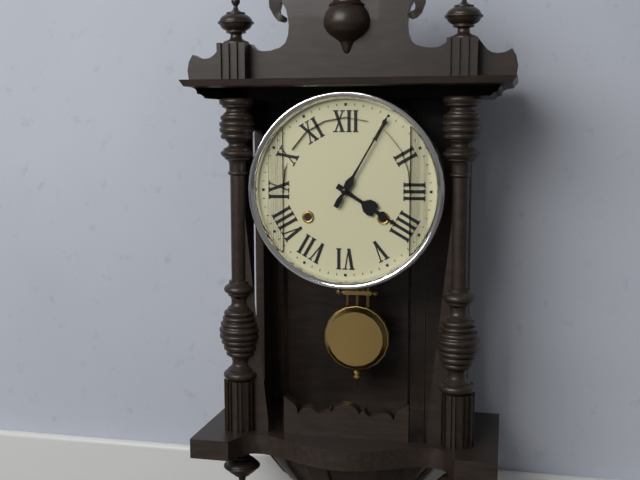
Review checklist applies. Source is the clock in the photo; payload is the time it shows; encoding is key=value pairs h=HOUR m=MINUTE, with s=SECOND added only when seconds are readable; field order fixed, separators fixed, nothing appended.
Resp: h=4 m=5
